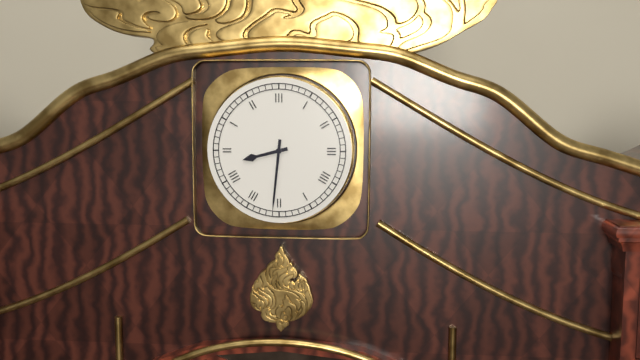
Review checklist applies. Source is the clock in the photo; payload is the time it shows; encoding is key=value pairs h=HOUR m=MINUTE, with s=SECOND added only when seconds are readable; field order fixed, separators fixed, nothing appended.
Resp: h=8 m=31
